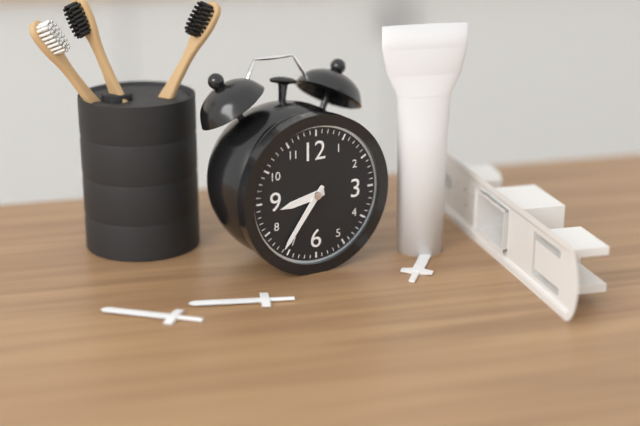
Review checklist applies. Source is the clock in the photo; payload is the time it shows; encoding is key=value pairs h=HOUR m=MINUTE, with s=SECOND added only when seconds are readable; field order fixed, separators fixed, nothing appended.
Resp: h=8 m=36
